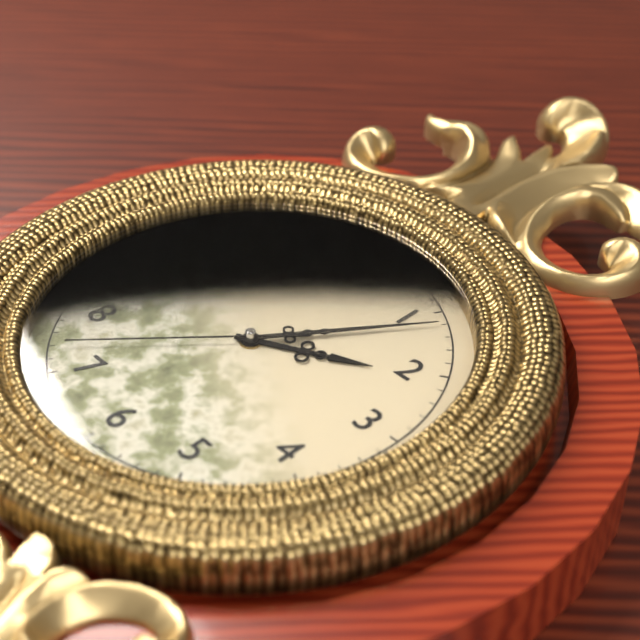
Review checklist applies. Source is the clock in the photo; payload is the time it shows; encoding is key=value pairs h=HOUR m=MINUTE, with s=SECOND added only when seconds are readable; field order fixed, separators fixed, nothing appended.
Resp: h=2 m=6 s=37
